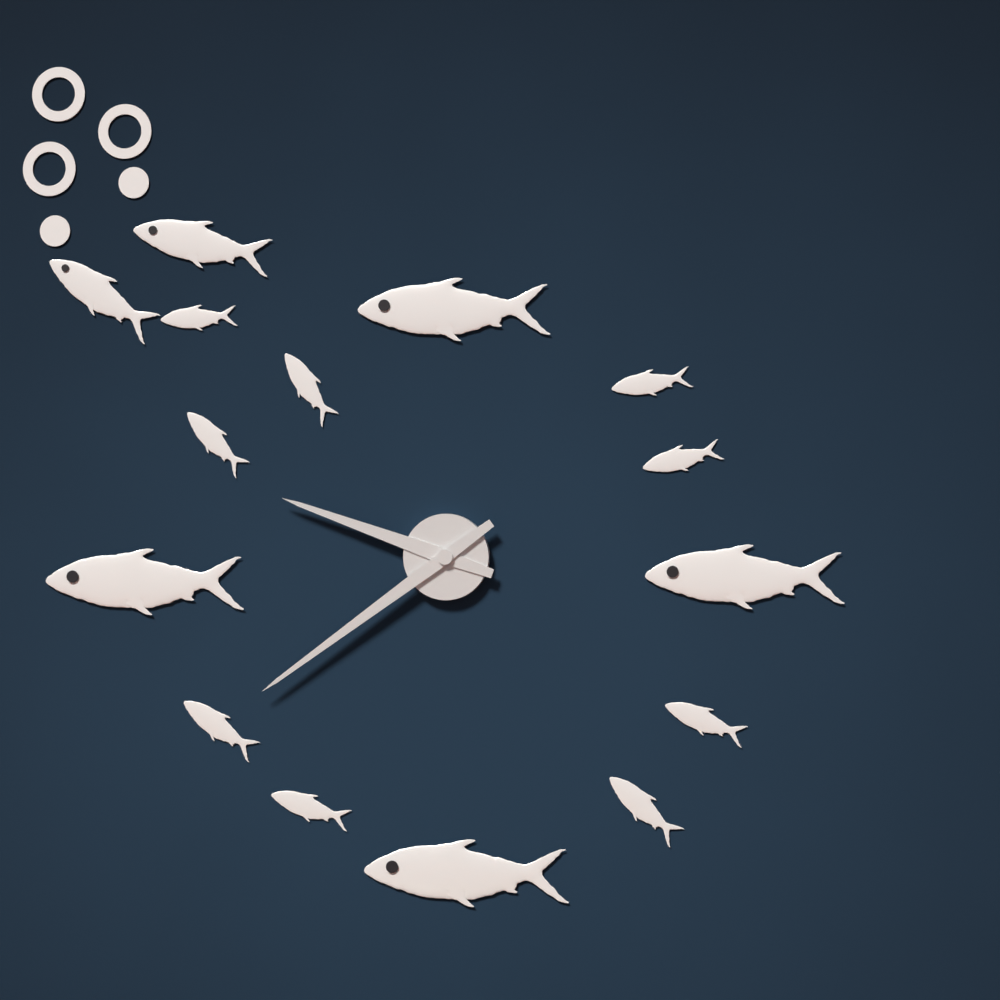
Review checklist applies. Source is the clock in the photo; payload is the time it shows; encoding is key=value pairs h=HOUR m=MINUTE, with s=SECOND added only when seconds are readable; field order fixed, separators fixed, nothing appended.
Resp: h=9 m=39
